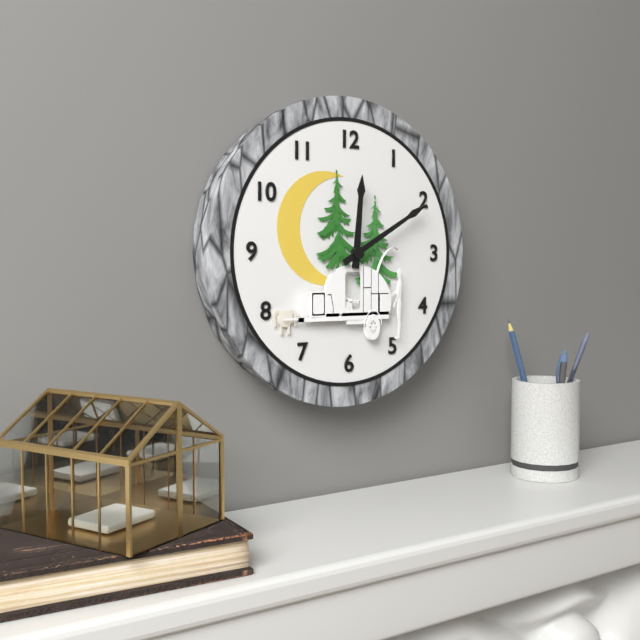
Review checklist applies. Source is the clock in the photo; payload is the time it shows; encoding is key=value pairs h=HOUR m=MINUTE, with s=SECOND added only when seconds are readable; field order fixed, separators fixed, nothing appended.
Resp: h=12 m=10
